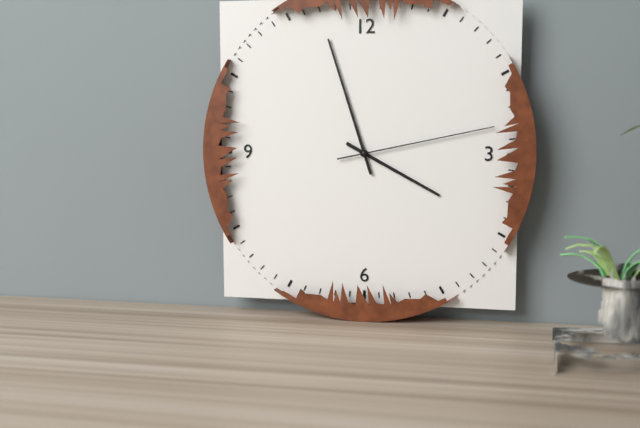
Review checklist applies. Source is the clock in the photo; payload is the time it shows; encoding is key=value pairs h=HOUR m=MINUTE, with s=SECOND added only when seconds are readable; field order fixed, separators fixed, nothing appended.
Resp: h=3 m=57 s=13
